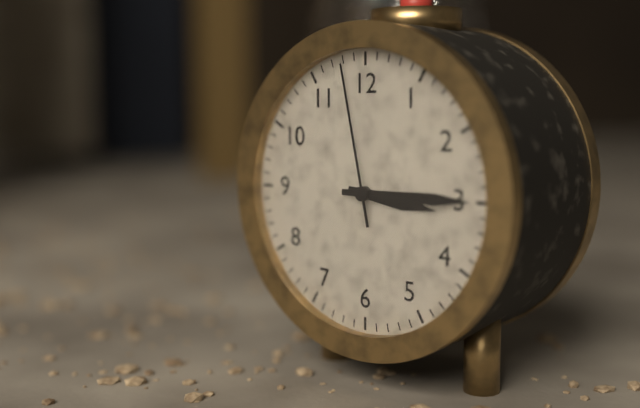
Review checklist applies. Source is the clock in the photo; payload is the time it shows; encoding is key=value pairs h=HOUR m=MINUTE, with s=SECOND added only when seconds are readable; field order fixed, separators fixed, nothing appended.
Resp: h=3 m=15 s=58
